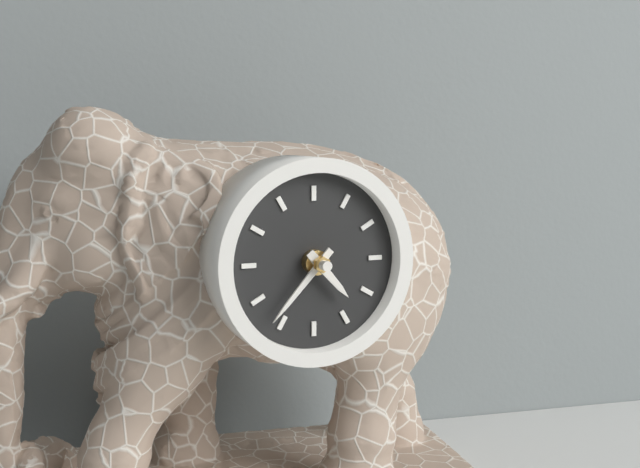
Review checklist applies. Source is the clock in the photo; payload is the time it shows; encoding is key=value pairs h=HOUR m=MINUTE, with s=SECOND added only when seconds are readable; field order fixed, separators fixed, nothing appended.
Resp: h=4 m=37
